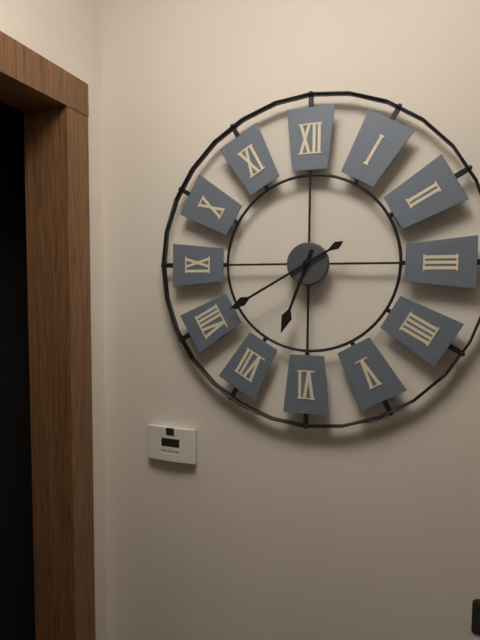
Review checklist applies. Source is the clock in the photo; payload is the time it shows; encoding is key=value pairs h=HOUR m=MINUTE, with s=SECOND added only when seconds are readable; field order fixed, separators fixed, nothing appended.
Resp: h=6 m=40
